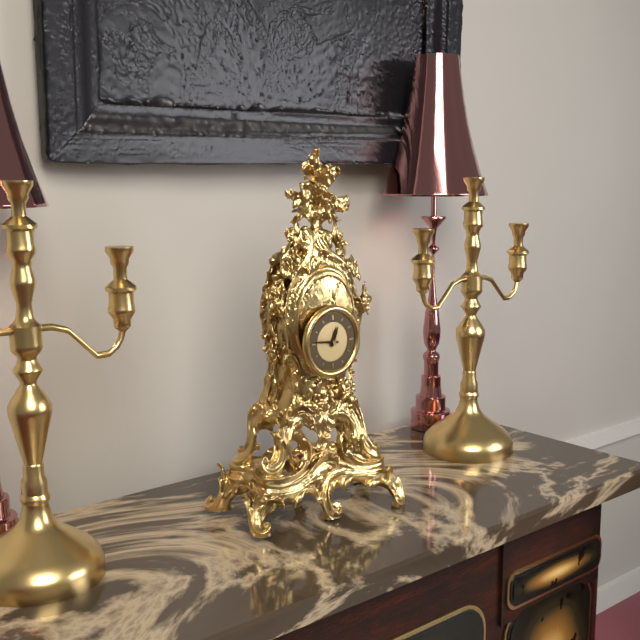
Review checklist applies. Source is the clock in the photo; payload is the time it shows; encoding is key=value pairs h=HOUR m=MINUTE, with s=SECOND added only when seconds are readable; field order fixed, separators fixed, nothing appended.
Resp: h=12 m=46
